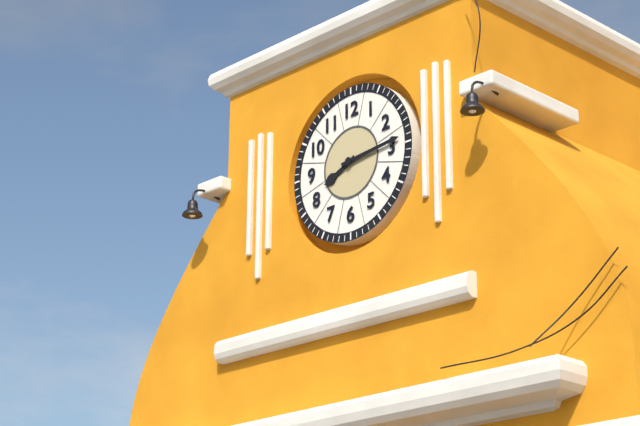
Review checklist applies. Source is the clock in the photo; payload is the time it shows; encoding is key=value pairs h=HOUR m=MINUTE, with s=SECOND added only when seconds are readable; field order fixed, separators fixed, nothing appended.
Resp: h=8 m=14
